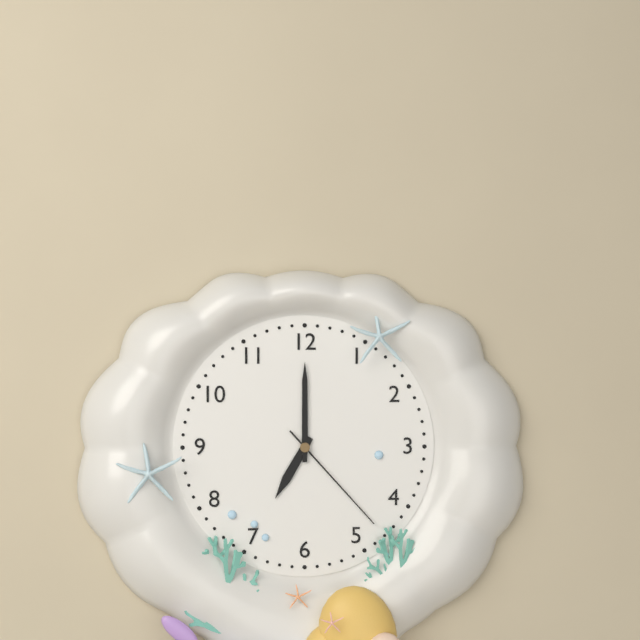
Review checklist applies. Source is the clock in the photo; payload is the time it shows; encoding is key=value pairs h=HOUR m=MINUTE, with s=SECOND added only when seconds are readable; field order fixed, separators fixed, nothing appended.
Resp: h=7 m=0 s=23
